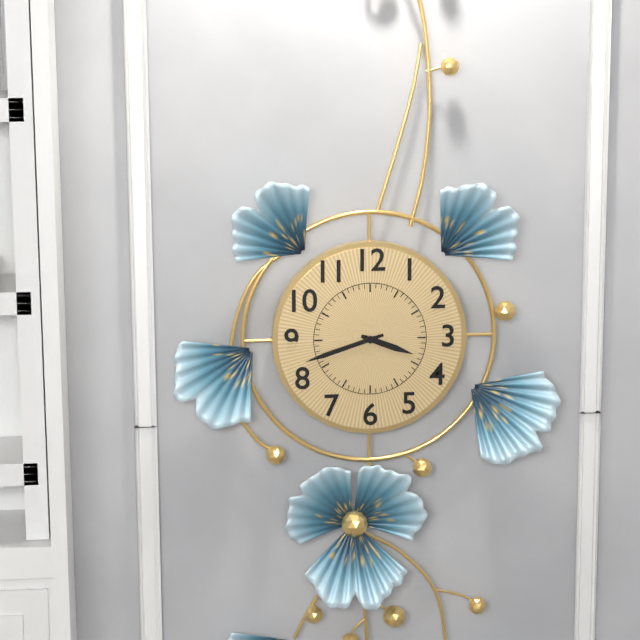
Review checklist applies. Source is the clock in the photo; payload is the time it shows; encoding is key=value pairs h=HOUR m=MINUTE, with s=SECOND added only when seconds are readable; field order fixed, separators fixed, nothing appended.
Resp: h=3 m=42
